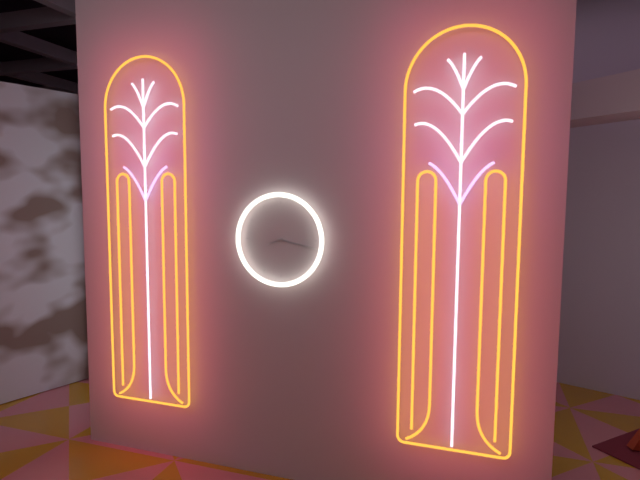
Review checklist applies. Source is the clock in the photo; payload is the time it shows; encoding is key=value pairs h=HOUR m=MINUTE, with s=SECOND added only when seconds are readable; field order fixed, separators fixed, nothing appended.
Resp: h=8 m=17
